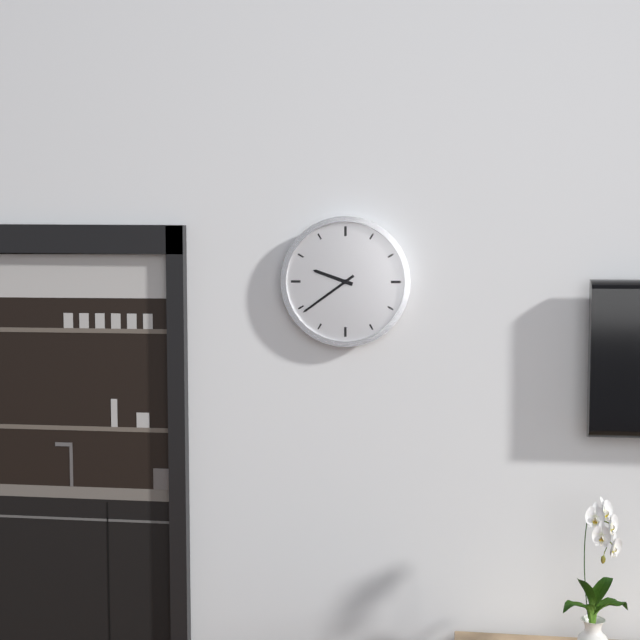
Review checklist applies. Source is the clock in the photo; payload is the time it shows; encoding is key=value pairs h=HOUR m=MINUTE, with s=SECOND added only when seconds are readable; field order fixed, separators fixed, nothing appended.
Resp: h=9 m=39
